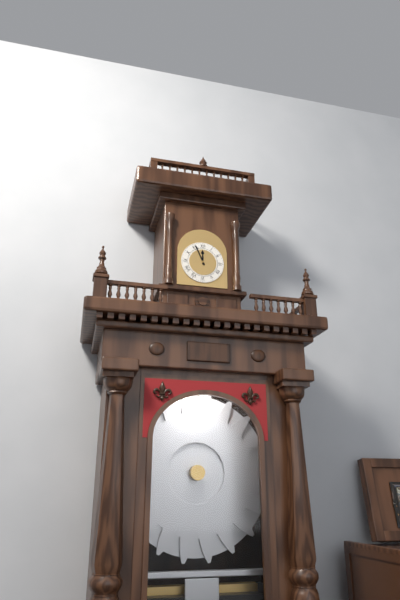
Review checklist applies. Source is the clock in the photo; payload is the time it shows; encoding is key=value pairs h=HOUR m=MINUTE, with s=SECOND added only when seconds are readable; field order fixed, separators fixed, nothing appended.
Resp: h=11 m=56
